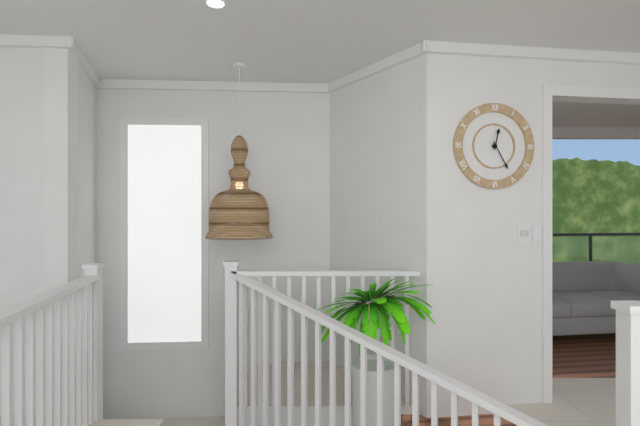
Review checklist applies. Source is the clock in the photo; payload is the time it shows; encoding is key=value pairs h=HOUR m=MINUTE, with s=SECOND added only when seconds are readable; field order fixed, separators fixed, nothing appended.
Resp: h=12 m=25
